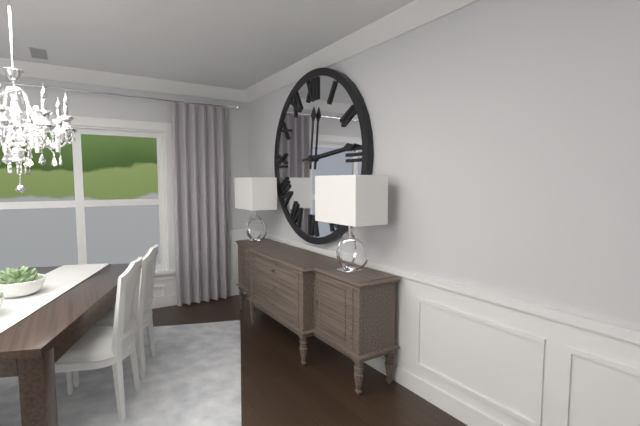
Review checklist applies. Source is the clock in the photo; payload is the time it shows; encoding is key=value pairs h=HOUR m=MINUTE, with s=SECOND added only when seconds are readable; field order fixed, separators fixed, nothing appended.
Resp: h=12 m=14
